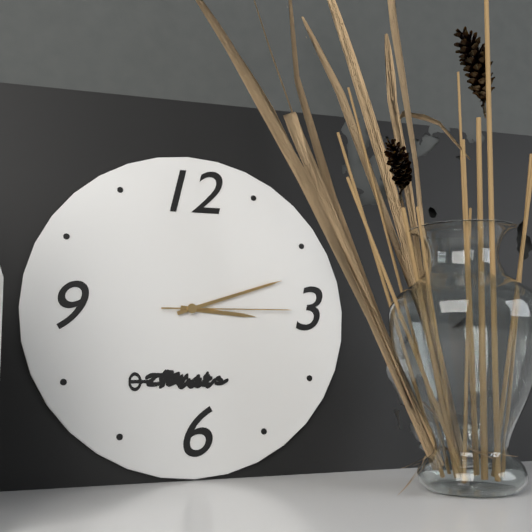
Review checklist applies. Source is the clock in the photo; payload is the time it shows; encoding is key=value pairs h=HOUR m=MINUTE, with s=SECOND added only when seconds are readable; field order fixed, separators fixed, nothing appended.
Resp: h=3 m=12 s=15
